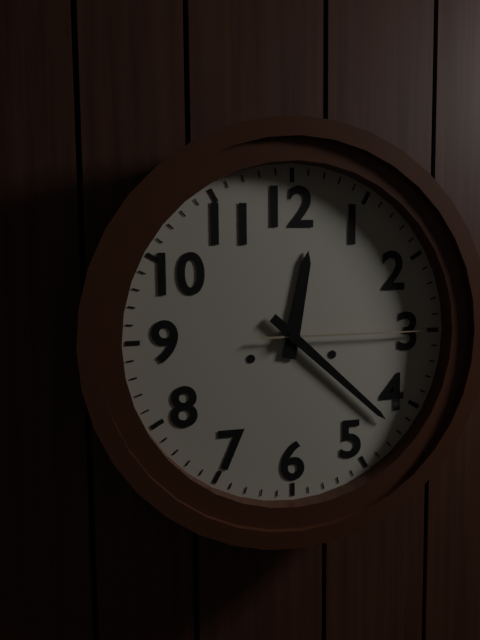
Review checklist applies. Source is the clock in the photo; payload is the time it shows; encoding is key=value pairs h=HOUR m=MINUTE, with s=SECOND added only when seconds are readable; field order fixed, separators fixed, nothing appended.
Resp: h=12 m=22 s=15
